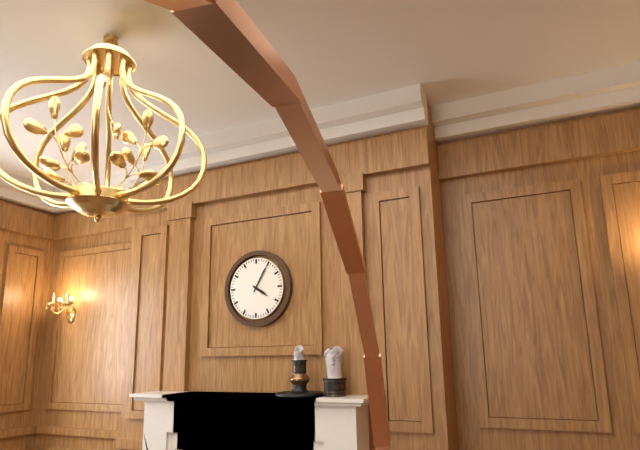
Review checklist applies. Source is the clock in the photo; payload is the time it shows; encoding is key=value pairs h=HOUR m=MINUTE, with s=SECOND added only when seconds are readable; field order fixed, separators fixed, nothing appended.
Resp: h=4 m=5
